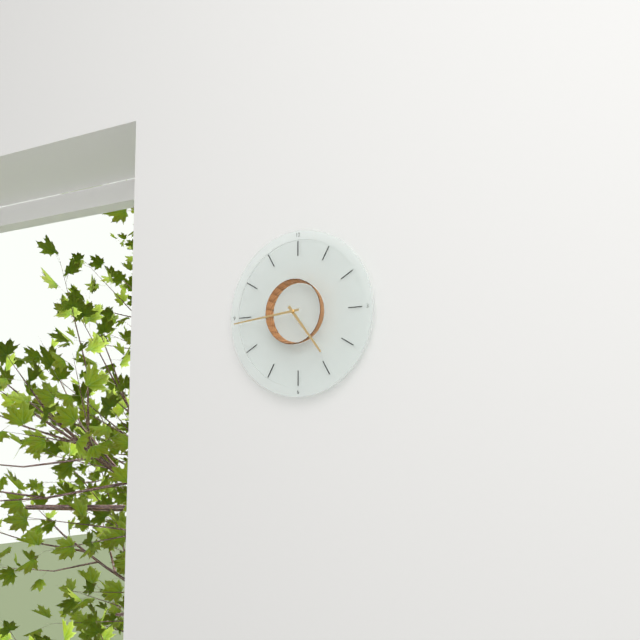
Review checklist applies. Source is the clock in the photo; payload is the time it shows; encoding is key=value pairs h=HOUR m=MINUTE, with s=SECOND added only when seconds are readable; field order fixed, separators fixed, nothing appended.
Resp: h=4 m=44
